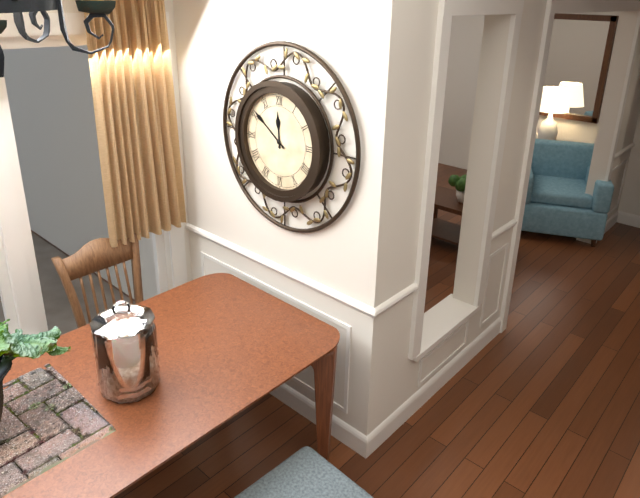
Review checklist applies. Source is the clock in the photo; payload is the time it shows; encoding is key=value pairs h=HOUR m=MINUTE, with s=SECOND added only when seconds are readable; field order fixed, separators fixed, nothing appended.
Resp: h=11 m=51
